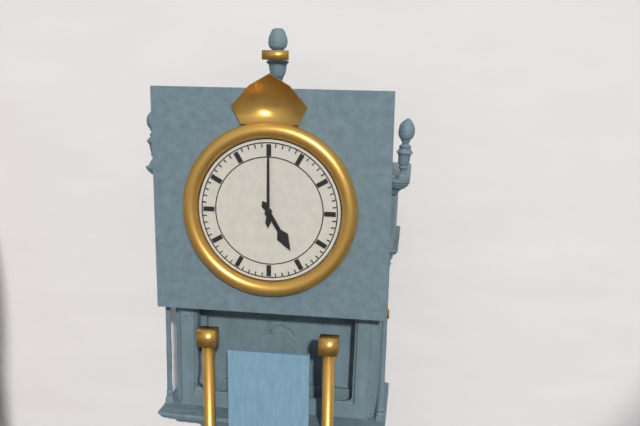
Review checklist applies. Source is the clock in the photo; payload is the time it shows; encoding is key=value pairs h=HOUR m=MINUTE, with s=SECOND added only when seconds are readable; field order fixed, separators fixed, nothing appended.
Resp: h=5 m=0
